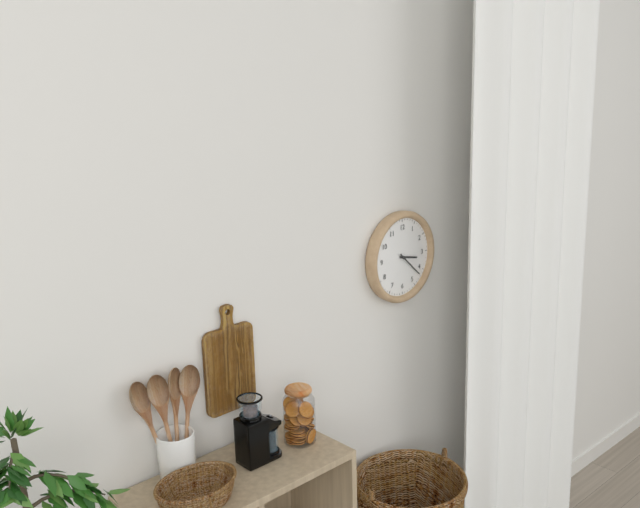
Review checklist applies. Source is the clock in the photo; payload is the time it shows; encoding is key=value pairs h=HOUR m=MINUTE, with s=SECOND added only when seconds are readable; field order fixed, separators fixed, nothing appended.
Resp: h=3 m=22
